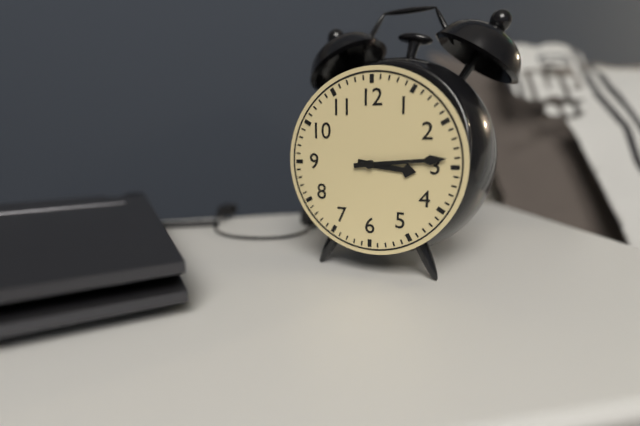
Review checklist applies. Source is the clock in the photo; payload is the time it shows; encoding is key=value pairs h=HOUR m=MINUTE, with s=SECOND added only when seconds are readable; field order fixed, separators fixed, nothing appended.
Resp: h=3 m=14
